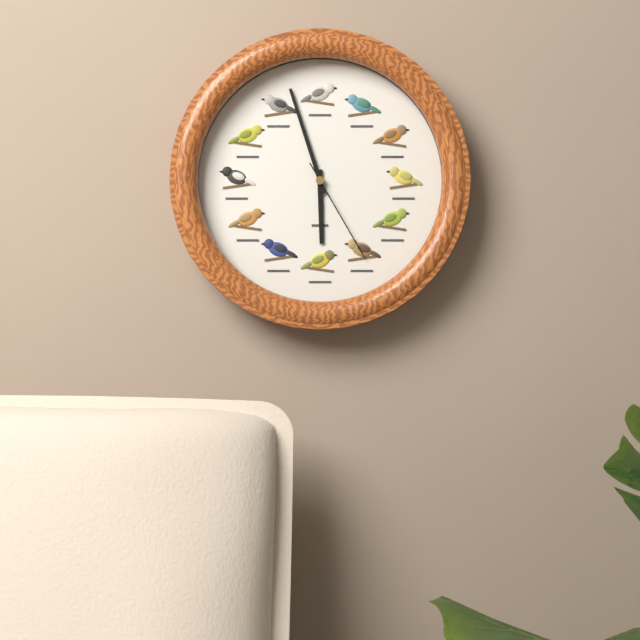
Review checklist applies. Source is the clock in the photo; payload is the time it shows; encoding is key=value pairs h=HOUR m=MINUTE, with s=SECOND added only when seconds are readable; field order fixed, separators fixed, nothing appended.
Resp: h=5 m=57 s=25
